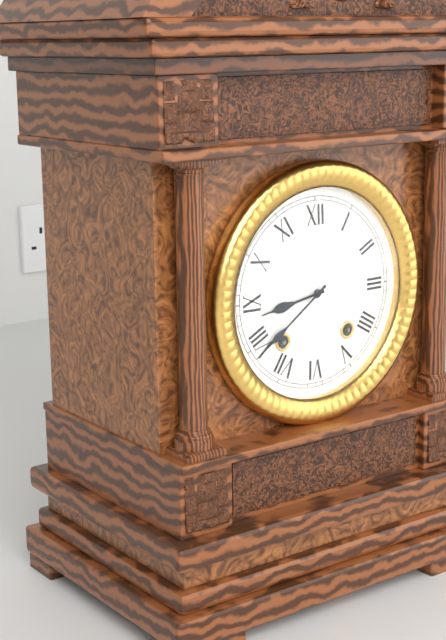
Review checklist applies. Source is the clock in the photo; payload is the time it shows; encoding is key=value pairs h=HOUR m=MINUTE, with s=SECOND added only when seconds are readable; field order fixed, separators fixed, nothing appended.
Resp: h=8 m=39
